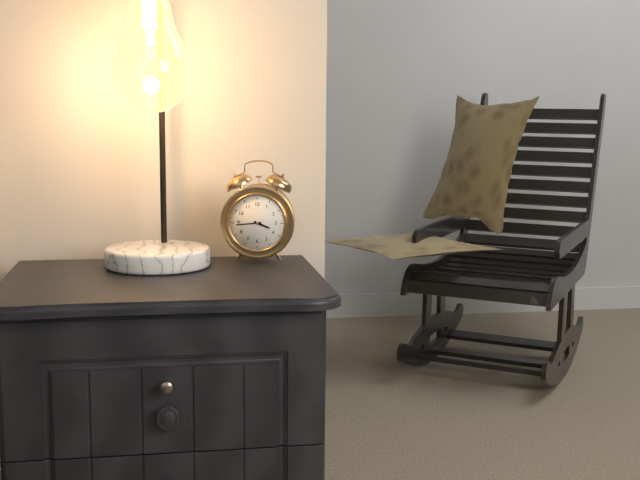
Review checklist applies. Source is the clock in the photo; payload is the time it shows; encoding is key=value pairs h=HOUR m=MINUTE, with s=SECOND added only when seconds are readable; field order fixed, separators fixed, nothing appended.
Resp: h=3 m=44
